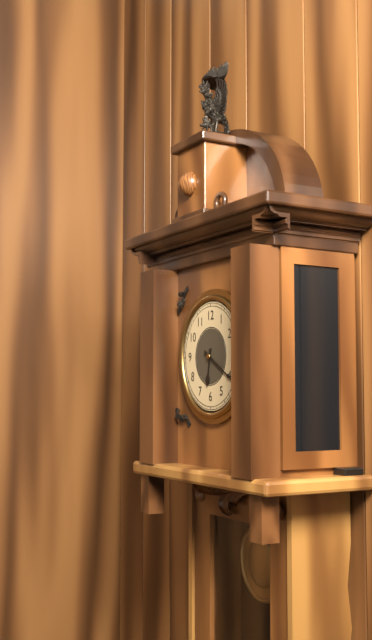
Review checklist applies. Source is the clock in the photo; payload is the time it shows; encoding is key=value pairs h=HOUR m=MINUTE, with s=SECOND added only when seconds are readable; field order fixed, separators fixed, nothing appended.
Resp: h=6 m=20
